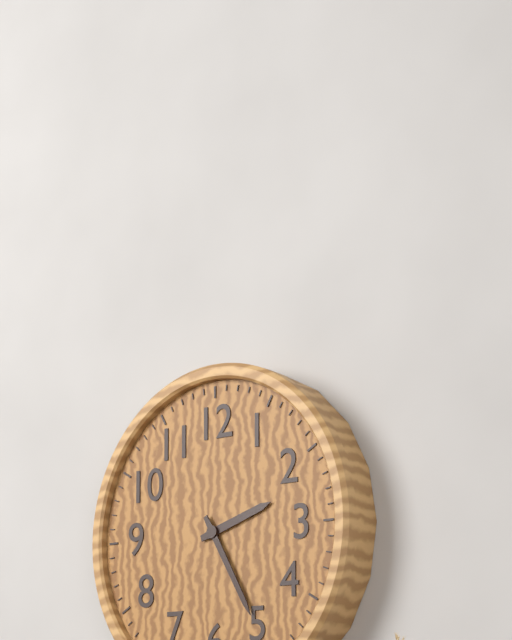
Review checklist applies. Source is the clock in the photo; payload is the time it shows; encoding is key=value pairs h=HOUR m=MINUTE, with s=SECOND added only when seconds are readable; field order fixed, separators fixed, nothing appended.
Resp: h=2 m=25
